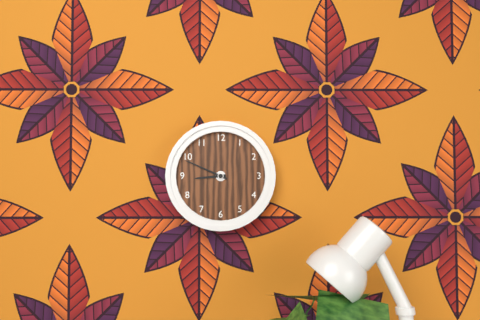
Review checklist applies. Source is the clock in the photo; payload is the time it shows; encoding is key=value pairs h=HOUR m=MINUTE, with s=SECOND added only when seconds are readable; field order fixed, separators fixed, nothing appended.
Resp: h=8 m=49
